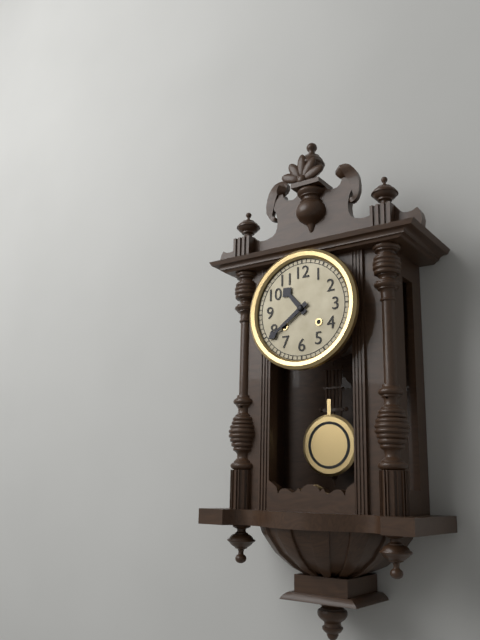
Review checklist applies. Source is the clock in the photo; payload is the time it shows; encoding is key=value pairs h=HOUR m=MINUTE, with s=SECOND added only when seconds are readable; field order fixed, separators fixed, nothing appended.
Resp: h=10 m=39
